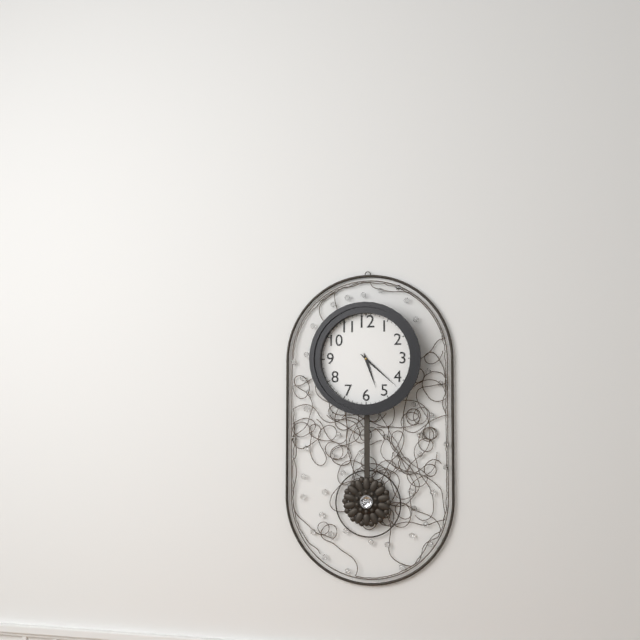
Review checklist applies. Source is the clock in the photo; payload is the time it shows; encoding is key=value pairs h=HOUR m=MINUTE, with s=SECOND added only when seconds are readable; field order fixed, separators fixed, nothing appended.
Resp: h=5 m=22
